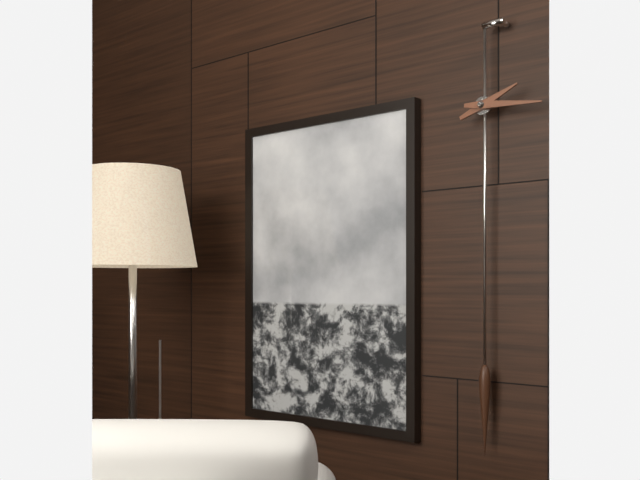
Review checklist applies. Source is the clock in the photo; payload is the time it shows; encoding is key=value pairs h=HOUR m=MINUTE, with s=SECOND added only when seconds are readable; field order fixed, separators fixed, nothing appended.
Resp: h=2 m=16
